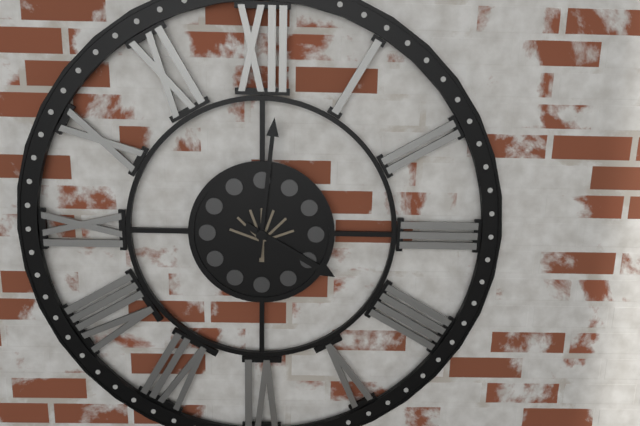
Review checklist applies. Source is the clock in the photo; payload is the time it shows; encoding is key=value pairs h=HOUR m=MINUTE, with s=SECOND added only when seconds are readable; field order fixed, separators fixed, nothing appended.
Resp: h=4 m=1
